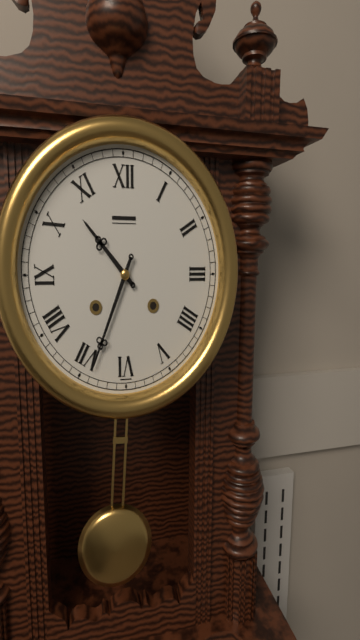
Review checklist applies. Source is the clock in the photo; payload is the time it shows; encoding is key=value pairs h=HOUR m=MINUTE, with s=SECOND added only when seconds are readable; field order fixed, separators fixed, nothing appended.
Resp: h=10 m=34
